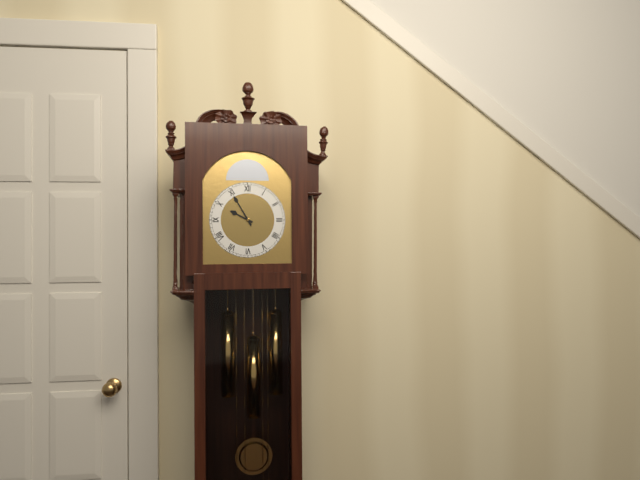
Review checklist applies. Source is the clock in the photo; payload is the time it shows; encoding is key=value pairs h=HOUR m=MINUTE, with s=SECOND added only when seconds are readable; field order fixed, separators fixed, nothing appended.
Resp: h=9 m=55
